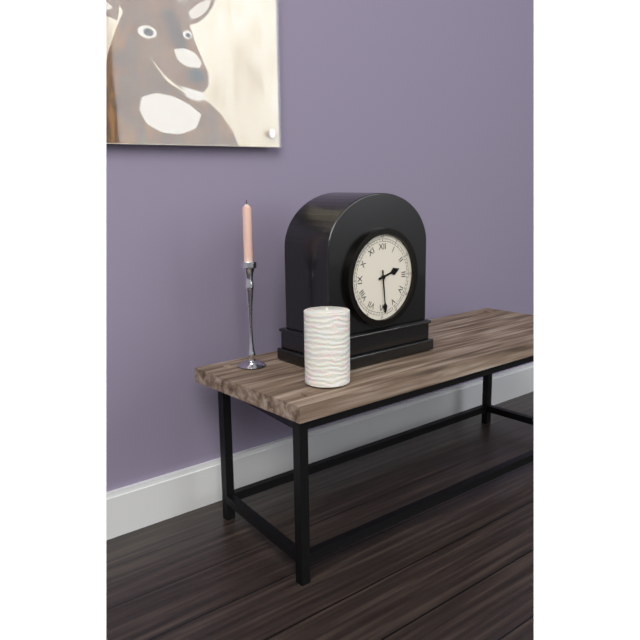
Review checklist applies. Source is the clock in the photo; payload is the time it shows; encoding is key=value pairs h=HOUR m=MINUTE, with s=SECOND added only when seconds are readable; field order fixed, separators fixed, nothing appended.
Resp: h=2 m=29
